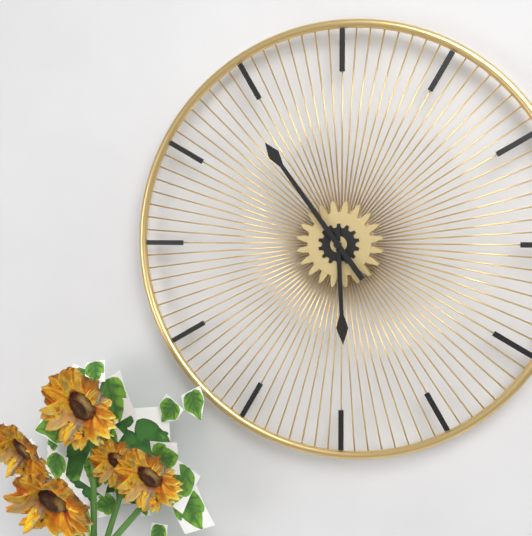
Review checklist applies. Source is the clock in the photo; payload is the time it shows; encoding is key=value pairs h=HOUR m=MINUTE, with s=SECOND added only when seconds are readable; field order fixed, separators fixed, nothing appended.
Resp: h=5 m=54
